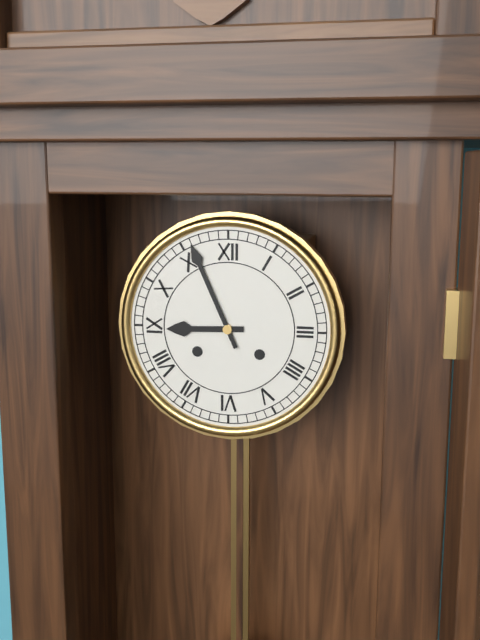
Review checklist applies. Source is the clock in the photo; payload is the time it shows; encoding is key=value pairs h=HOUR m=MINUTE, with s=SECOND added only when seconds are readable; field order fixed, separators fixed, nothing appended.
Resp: h=8 m=56
